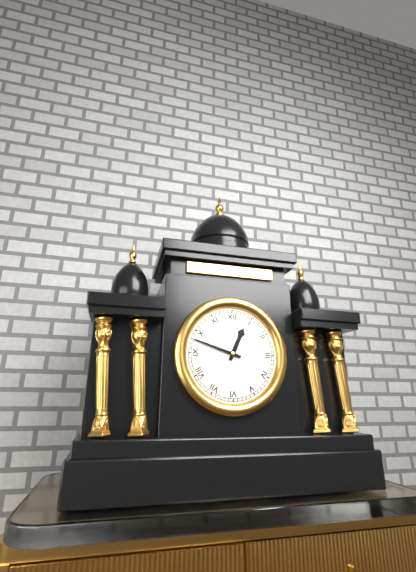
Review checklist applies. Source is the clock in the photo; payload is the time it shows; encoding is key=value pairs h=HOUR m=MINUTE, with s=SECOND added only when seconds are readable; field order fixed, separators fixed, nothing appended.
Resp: h=12 m=48
